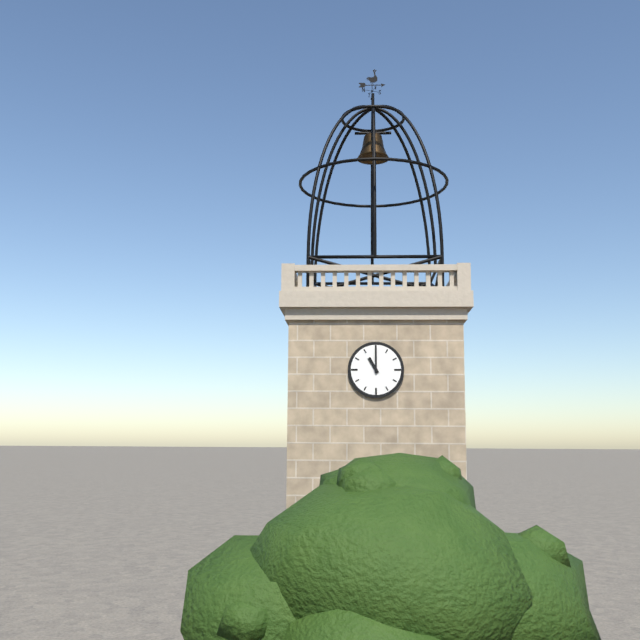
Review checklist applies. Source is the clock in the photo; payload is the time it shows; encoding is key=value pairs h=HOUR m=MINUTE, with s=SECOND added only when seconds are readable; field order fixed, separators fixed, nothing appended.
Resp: h=11 m=0
